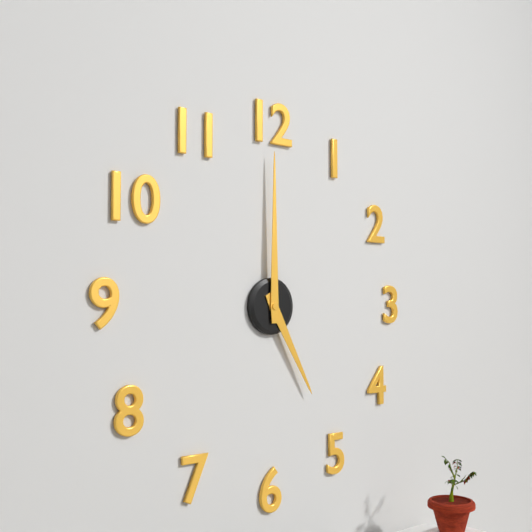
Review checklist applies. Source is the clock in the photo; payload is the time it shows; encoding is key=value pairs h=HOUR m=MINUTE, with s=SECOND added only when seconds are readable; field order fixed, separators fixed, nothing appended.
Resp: h=5 m=0
